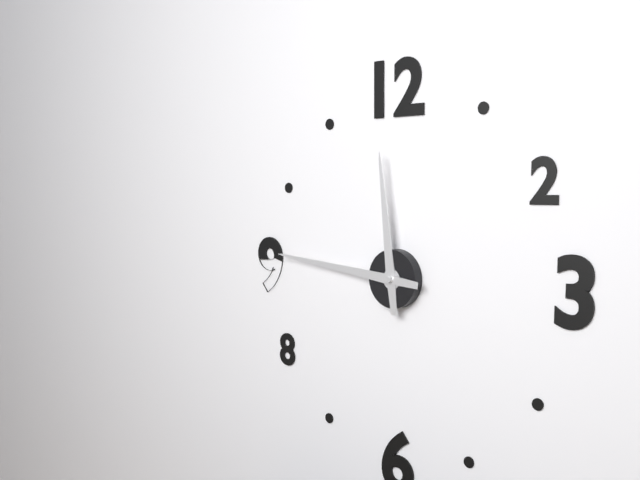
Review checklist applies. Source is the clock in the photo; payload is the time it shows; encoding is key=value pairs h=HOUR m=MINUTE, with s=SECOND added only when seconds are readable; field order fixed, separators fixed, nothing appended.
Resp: h=11 m=46
